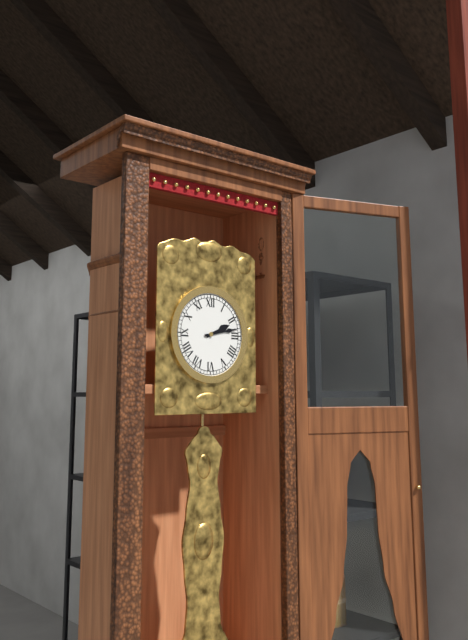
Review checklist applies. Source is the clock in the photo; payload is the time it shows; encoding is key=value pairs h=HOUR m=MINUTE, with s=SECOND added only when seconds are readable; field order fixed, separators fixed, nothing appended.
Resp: h=2 m=13
